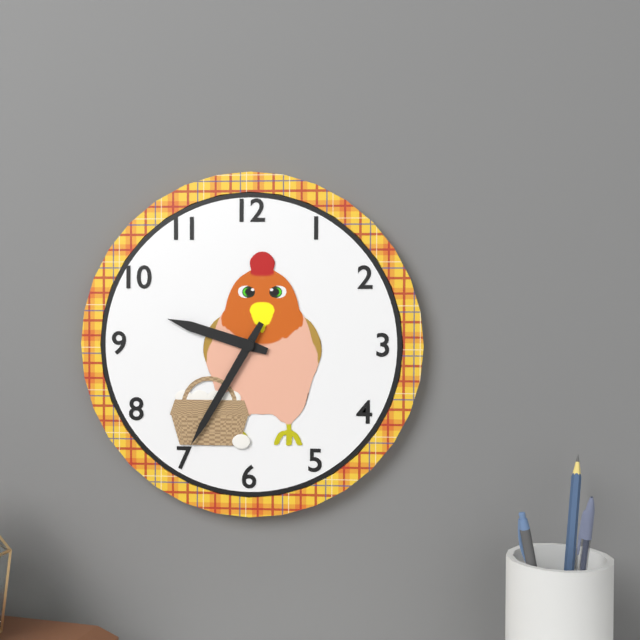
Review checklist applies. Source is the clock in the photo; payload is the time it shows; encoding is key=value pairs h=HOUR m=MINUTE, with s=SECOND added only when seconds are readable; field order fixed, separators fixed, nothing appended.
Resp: h=9 m=35
